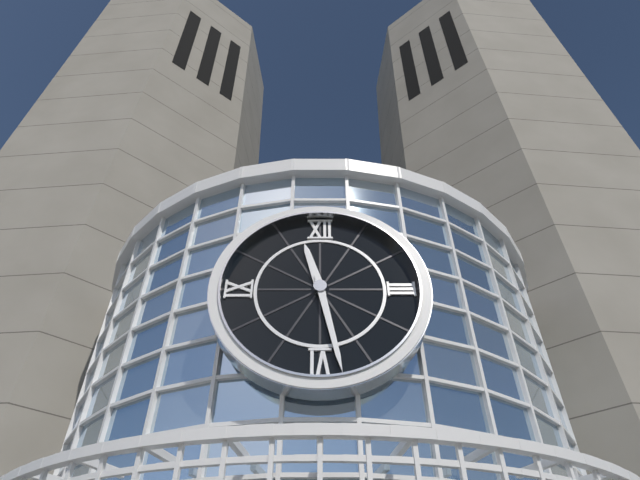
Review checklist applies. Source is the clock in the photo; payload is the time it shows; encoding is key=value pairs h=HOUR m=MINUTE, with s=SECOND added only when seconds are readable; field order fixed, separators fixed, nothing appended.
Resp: h=11 m=28
